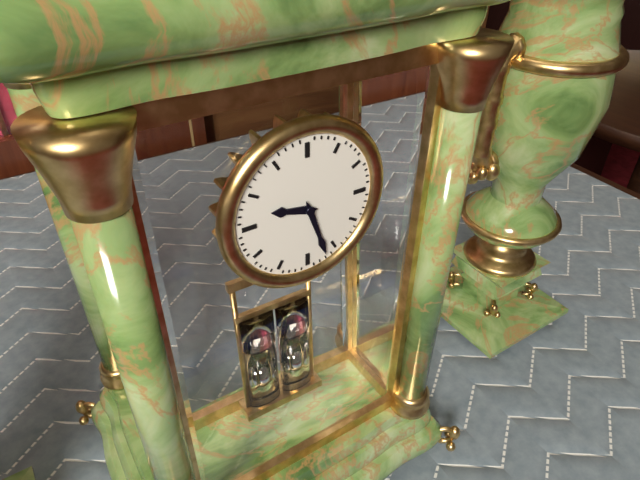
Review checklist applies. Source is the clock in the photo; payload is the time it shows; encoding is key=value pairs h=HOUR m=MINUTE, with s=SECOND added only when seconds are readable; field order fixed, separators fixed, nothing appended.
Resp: h=9 m=27
